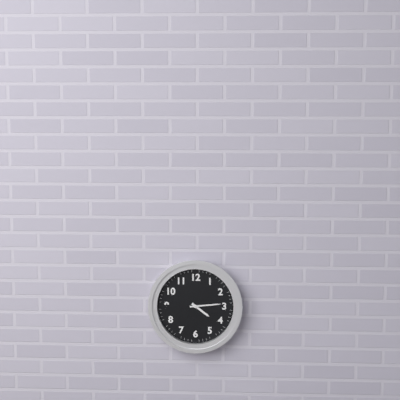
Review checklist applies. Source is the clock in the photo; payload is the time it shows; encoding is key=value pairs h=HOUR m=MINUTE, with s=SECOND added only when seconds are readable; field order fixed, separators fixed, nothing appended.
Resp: h=4 m=14
